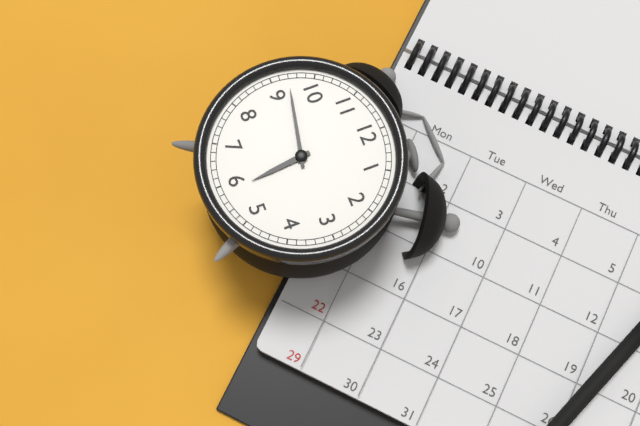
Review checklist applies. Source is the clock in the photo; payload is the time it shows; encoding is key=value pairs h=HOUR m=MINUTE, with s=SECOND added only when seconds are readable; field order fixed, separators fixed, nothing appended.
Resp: h=5 m=47
